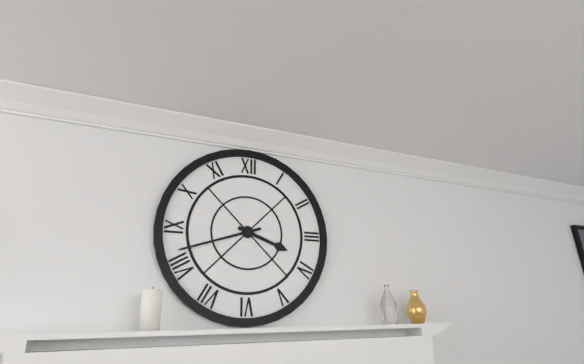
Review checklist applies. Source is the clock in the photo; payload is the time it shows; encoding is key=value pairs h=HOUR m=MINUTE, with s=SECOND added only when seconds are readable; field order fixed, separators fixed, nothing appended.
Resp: h=3 m=42
